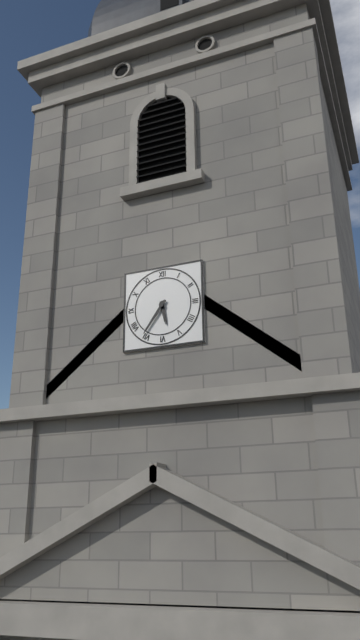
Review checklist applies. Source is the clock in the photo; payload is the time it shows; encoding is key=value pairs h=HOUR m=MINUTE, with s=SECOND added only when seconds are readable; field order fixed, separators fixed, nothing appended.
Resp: h=5 m=36
